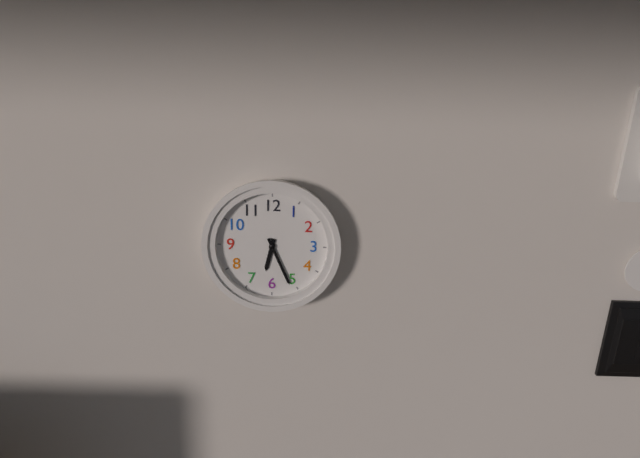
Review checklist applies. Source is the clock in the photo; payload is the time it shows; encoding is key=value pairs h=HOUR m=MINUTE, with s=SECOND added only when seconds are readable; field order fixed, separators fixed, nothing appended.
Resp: h=6 m=26
